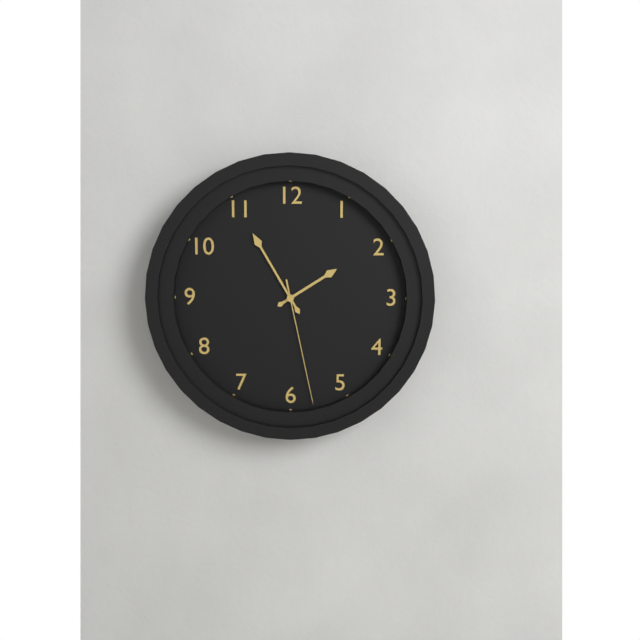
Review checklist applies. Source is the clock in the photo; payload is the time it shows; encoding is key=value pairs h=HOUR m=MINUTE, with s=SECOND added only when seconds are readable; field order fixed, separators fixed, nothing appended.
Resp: h=1 m=55 s=28
